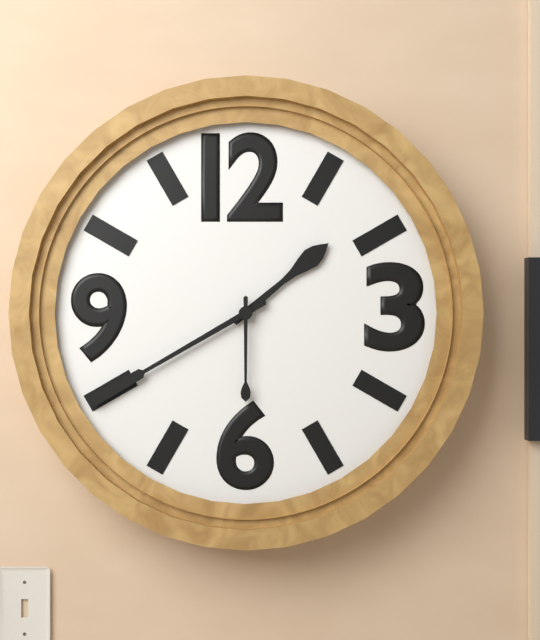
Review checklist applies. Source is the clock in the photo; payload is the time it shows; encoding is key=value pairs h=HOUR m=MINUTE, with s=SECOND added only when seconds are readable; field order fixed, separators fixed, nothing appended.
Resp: h=1 m=40 s=30
